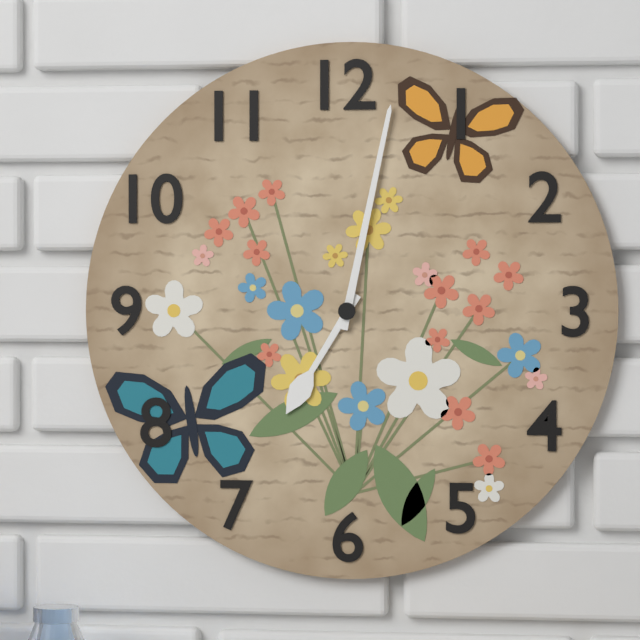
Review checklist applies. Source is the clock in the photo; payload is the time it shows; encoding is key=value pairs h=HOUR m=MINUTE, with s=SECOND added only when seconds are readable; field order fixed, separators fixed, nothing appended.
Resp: h=7 m=2
